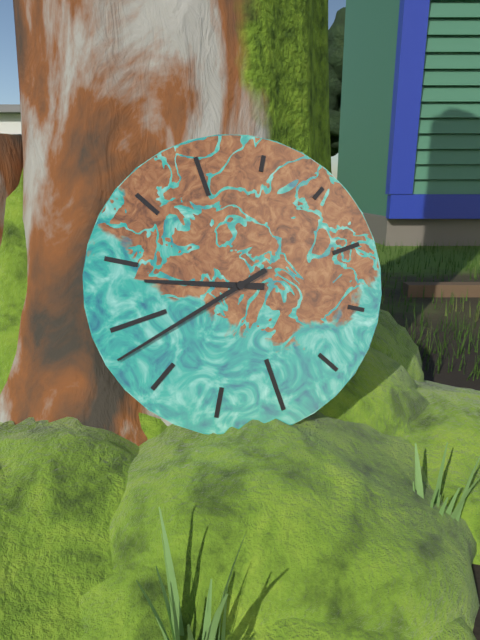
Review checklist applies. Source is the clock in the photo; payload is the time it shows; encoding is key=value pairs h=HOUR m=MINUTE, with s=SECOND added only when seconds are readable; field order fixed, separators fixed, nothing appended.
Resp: h=9 m=43
